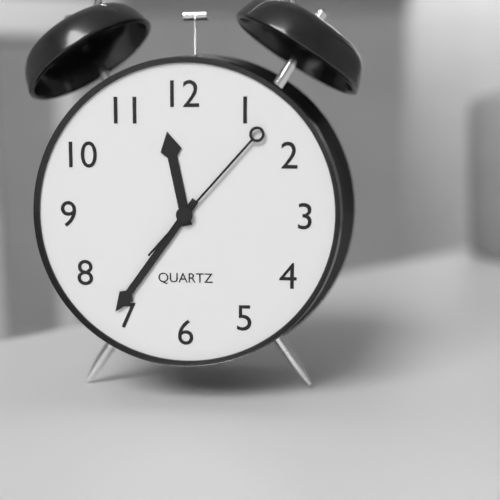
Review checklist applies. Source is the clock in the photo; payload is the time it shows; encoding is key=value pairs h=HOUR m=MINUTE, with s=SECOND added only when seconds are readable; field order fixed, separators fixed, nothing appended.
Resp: h=11 m=36 s=7
